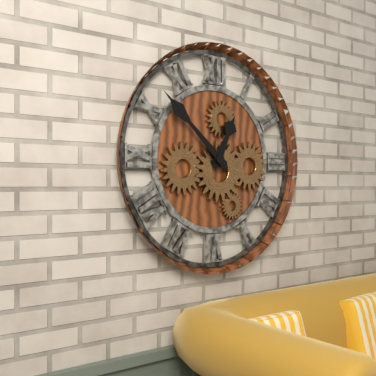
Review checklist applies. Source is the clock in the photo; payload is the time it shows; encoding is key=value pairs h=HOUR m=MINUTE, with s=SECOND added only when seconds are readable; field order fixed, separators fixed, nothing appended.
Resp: h=12 m=52
